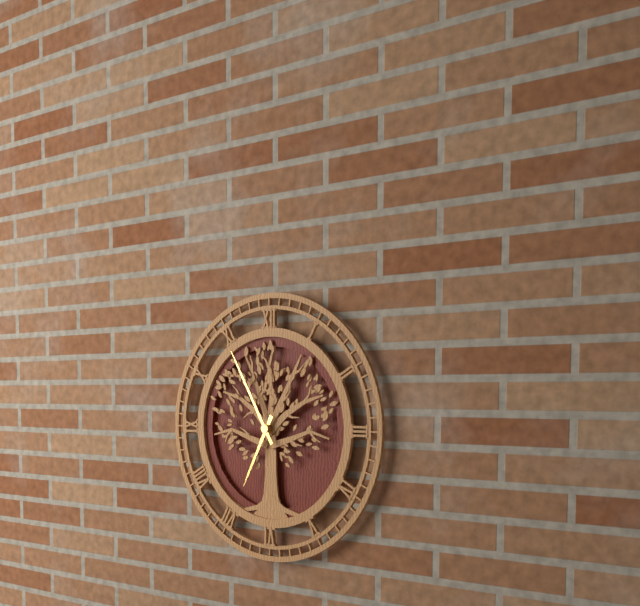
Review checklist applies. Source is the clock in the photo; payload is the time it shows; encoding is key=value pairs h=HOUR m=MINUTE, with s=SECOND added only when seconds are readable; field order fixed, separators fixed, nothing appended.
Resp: h=6 m=55
